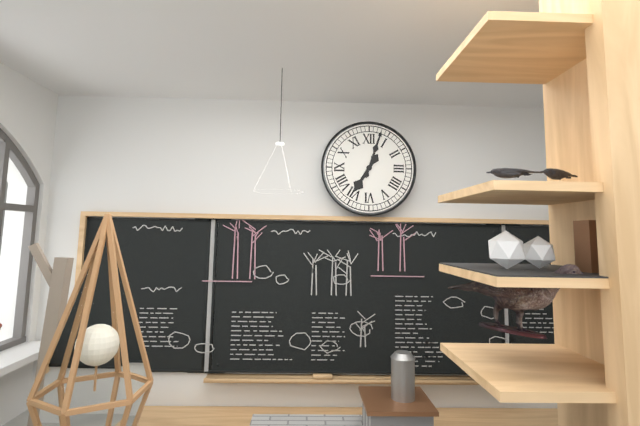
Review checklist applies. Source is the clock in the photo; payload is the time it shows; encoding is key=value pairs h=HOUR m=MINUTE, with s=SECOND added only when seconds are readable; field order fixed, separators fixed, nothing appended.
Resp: h=7 m=3
